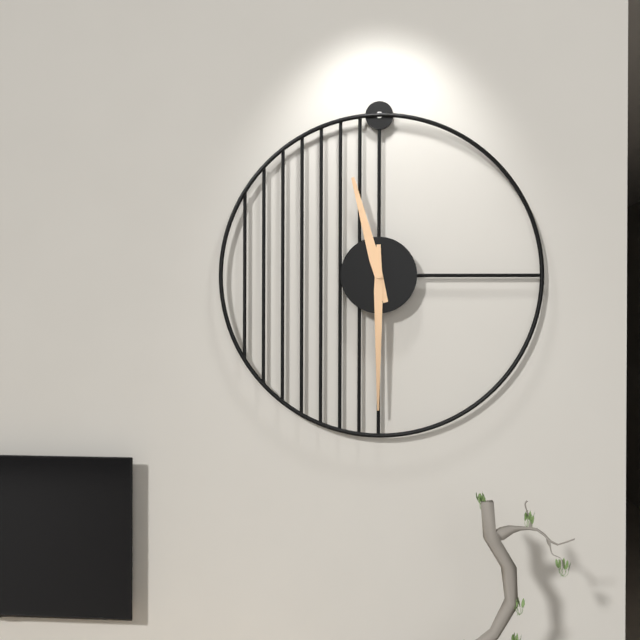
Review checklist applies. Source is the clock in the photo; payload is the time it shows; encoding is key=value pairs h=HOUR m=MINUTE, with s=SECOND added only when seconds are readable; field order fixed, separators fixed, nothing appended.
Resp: h=11 m=30
